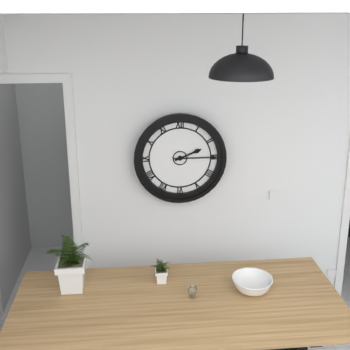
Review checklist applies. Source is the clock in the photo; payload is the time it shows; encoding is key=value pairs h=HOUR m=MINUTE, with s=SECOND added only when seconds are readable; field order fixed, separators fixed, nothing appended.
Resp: h=2 m=15
